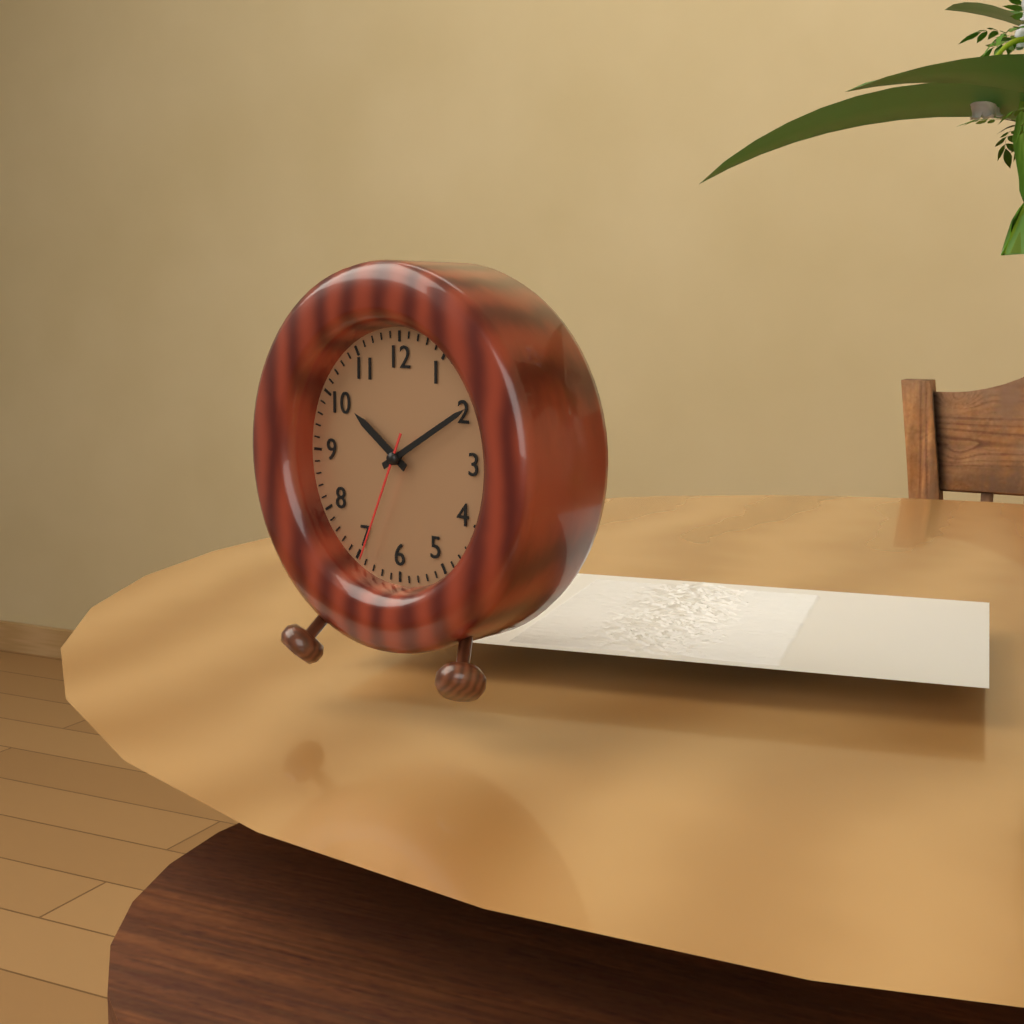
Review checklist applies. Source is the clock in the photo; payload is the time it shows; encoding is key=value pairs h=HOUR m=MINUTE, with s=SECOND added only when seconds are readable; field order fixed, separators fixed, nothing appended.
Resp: h=10 m=10 s=34
